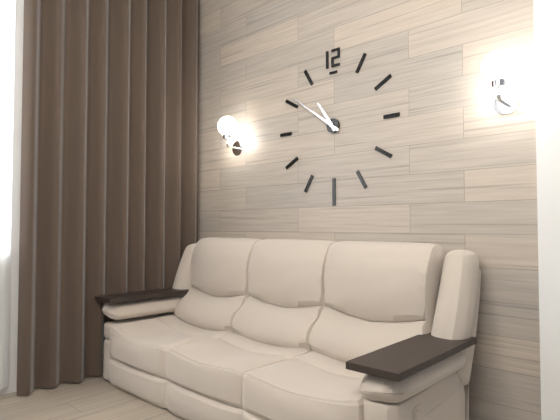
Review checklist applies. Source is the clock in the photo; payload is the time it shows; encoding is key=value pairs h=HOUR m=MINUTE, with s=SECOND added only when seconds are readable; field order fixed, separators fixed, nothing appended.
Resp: h=10 m=51
